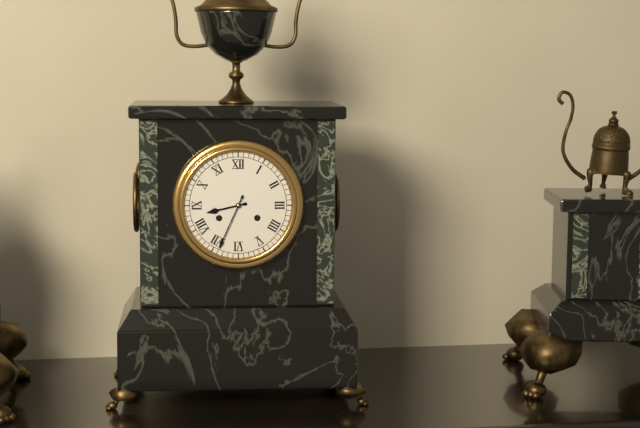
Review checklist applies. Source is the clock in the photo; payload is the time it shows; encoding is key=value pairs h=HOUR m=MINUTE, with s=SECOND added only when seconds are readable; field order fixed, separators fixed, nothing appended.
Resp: h=8 m=34
